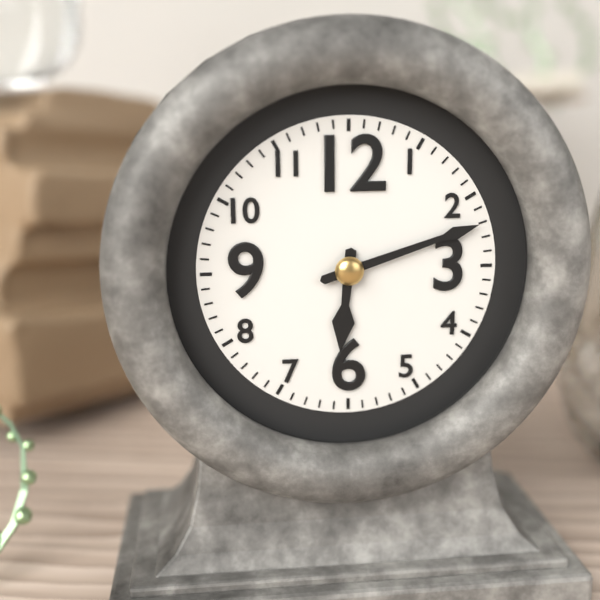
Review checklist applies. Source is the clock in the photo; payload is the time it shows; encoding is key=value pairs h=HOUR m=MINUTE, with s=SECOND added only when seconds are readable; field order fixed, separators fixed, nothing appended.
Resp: h=6 m=12
